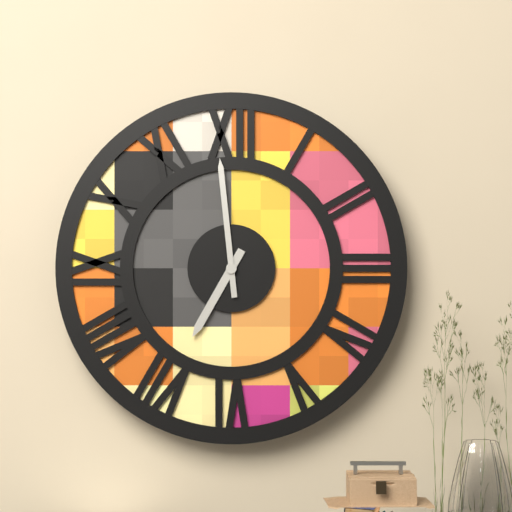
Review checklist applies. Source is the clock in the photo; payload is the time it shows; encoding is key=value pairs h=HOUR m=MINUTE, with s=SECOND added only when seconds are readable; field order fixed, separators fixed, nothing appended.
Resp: h=6 m=59
